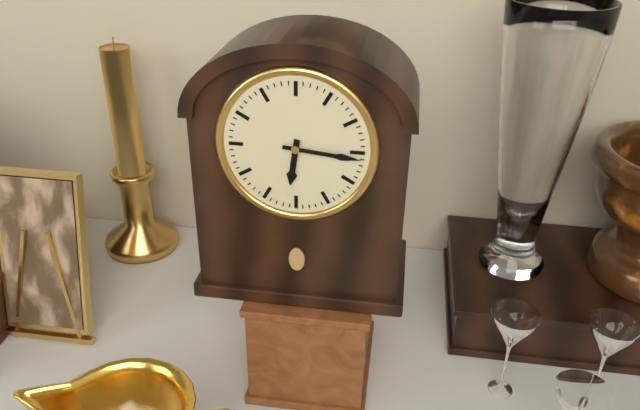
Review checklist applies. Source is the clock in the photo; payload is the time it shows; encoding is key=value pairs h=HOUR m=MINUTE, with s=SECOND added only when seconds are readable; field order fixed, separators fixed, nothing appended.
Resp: h=6 m=16
